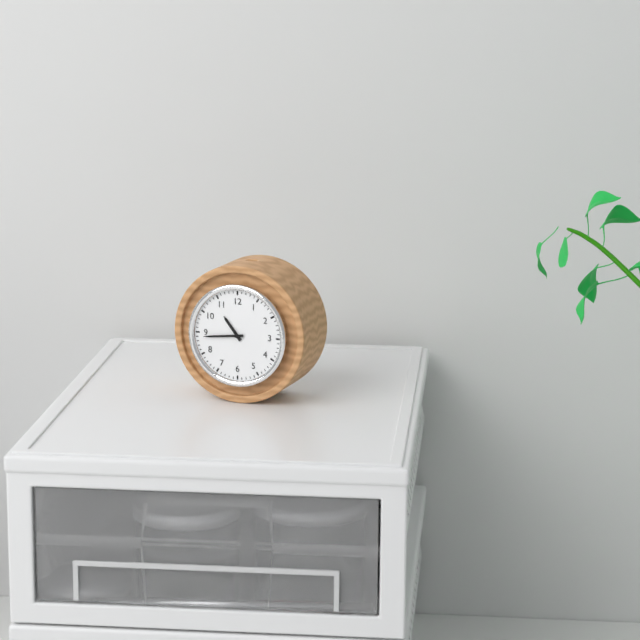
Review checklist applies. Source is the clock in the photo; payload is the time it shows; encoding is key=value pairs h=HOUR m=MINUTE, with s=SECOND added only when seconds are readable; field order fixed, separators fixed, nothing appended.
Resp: h=10 m=44
